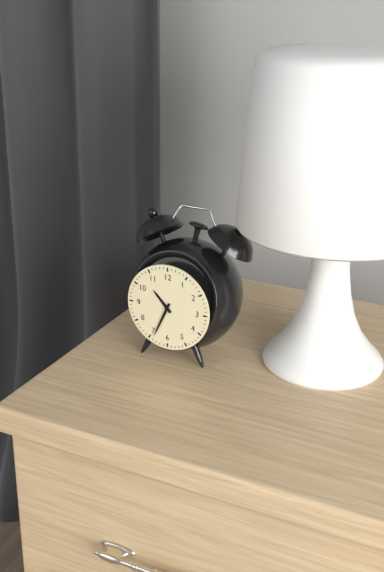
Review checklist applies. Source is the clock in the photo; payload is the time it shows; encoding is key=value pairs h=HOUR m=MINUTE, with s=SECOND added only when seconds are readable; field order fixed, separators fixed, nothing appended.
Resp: h=10 m=34
